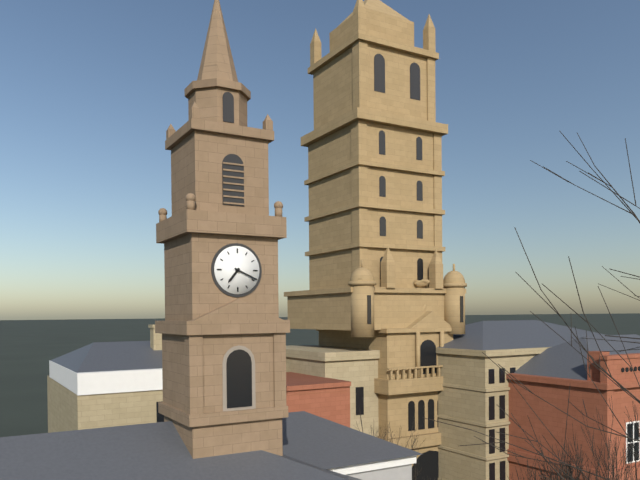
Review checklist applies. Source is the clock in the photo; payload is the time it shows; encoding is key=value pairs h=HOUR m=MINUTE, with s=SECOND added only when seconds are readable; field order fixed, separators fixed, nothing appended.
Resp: h=7 m=19
